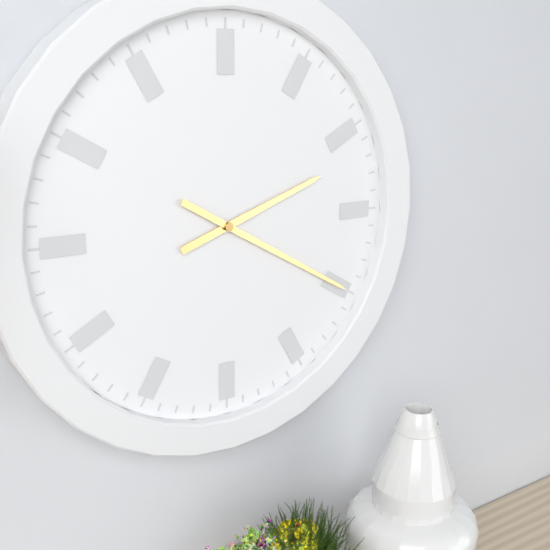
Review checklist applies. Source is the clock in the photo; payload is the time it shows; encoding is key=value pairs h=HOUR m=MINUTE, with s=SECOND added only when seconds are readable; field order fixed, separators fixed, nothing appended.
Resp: h=2 m=20
